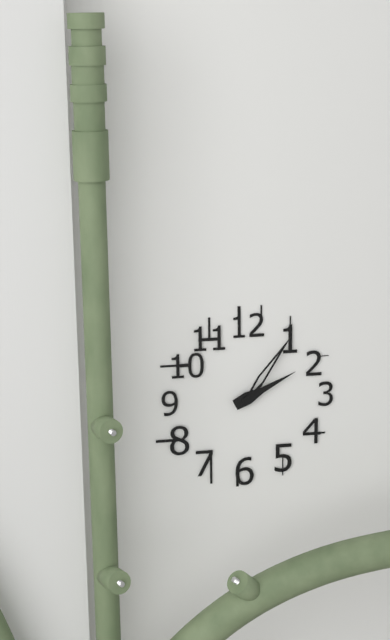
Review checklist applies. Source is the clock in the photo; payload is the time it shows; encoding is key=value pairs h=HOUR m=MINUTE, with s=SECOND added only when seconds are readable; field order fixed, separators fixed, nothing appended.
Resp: h=2 m=6
